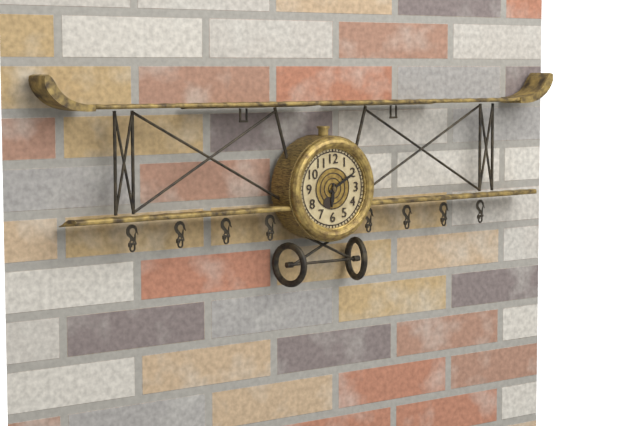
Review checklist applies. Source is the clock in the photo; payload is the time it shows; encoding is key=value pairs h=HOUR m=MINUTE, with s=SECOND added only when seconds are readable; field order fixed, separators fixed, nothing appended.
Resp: h=6 m=10
